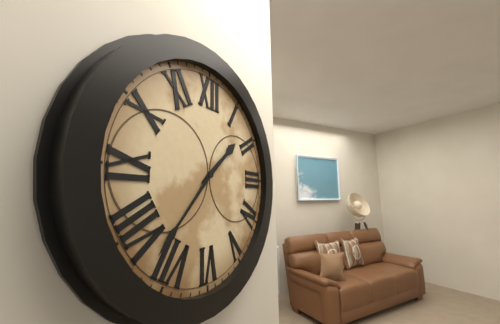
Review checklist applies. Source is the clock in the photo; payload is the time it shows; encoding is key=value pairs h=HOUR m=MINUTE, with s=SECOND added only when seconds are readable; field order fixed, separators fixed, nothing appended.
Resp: h=1 m=37
